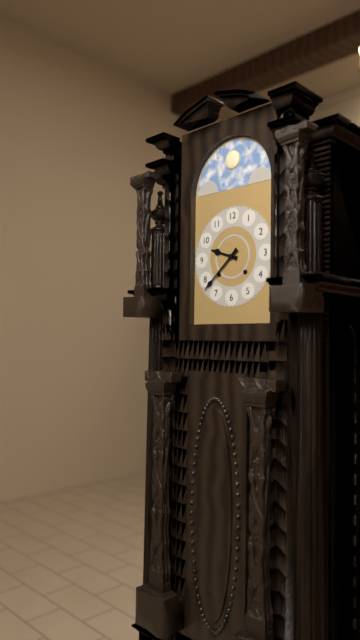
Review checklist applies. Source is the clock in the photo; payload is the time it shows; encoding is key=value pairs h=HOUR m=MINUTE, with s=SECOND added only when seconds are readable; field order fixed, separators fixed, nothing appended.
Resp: h=9 m=38
